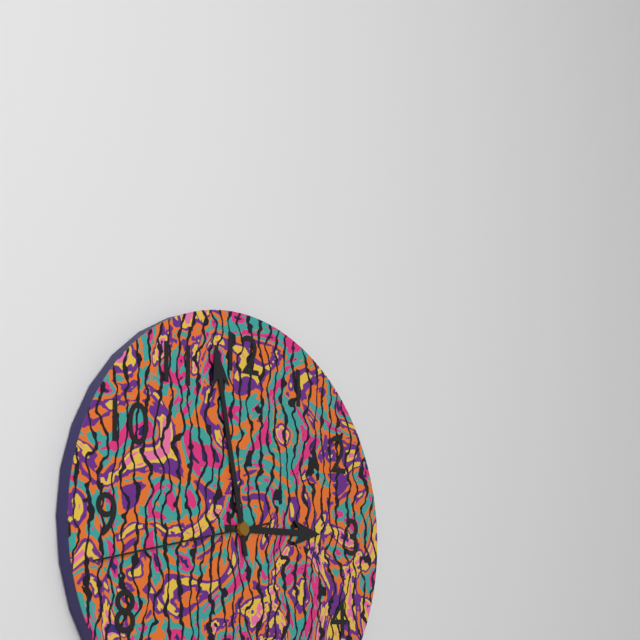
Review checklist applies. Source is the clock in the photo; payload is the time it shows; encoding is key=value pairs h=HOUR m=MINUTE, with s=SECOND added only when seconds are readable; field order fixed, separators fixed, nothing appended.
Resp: h=2 m=58 s=43
